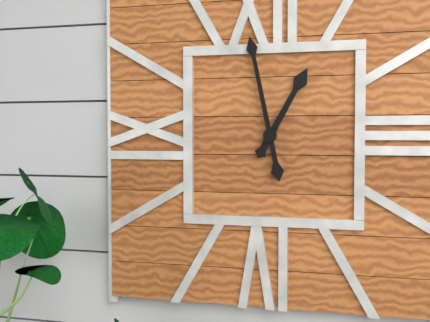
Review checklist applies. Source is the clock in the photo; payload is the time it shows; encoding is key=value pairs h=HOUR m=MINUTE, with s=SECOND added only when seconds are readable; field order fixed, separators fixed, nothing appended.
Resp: h=12 m=58
